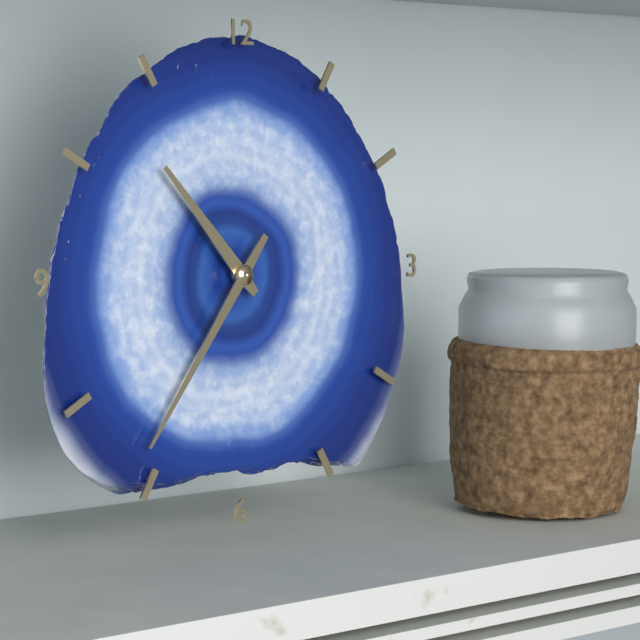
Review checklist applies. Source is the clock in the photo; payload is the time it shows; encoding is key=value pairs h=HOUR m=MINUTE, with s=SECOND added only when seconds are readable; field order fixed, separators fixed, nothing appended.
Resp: h=10 m=36
